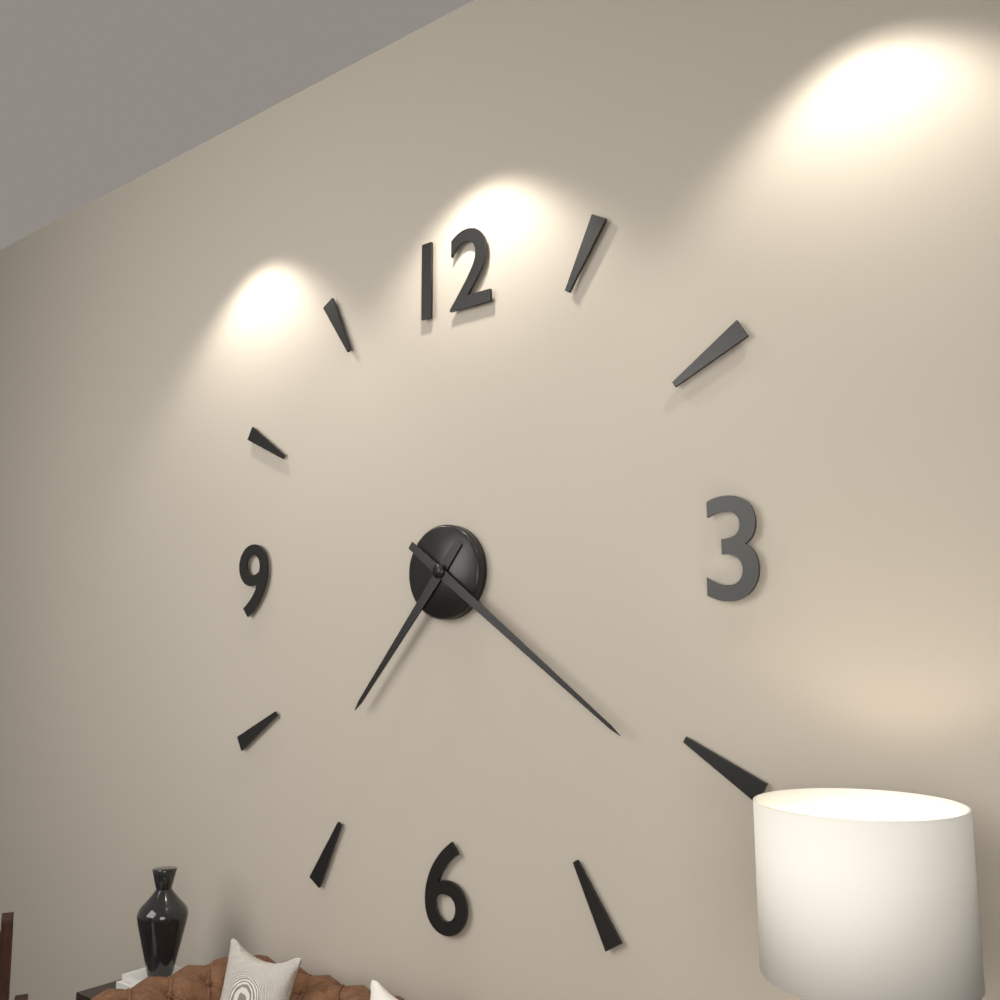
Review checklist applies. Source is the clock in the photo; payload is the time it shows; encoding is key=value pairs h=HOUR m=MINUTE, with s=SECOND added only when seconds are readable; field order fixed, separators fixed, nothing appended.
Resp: h=7 m=21
